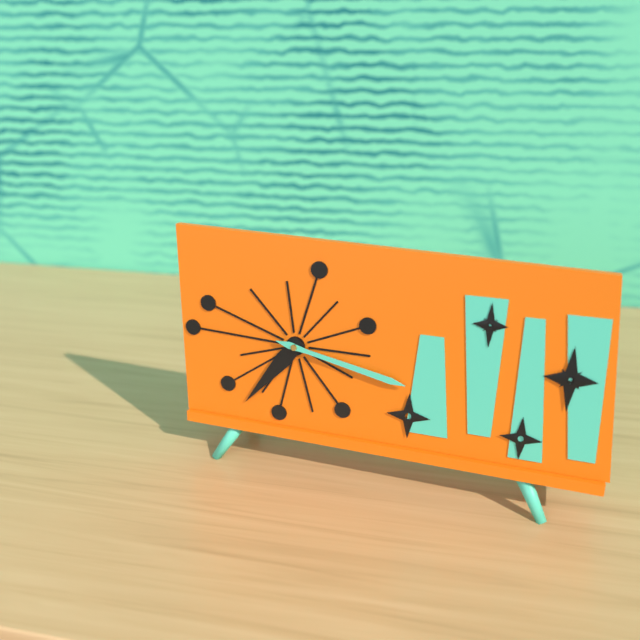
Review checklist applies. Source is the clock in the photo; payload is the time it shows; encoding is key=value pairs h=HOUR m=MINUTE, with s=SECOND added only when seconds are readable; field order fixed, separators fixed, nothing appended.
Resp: h=7 m=17
